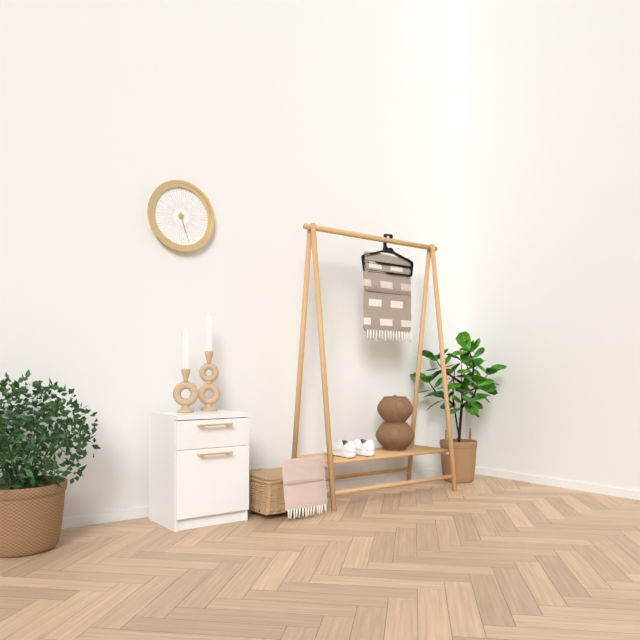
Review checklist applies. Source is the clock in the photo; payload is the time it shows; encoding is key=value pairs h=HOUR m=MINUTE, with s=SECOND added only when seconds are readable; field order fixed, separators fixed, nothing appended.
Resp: h=5 m=27
